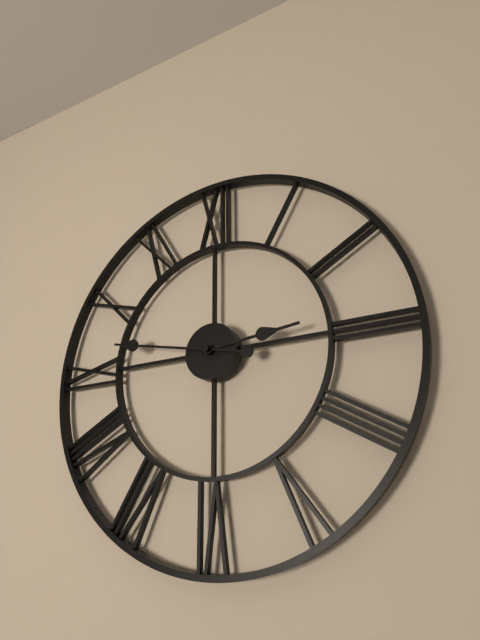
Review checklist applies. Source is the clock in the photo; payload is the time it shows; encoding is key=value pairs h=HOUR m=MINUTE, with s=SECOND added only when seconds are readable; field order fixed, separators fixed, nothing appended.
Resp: h=2 m=47
